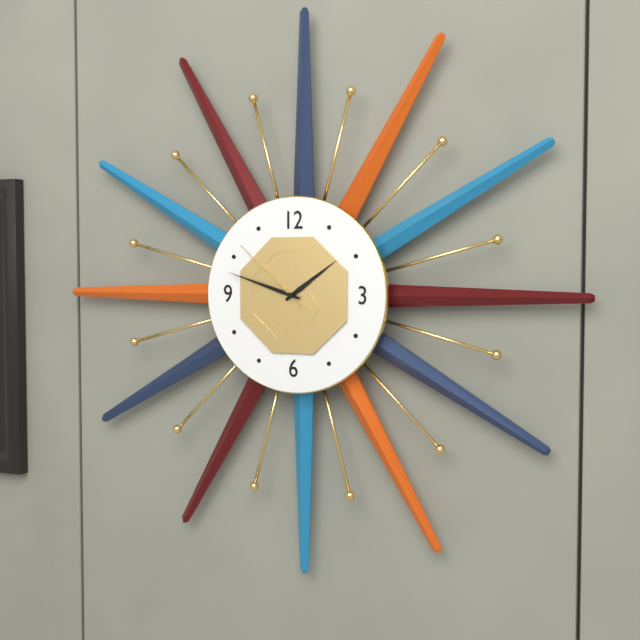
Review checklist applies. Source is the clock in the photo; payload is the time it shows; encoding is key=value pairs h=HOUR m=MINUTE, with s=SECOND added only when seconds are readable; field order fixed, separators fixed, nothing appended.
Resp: h=1 m=48 s=52
